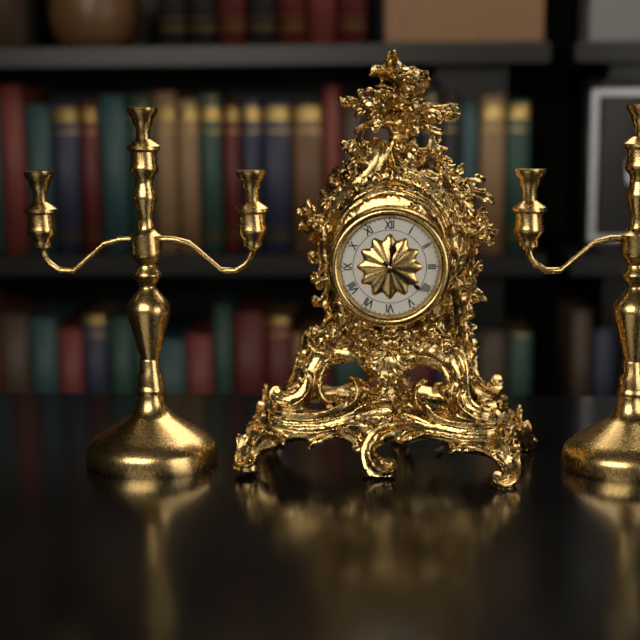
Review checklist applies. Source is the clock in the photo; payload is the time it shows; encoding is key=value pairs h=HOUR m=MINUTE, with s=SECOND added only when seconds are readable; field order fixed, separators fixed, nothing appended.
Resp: h=12 m=21
